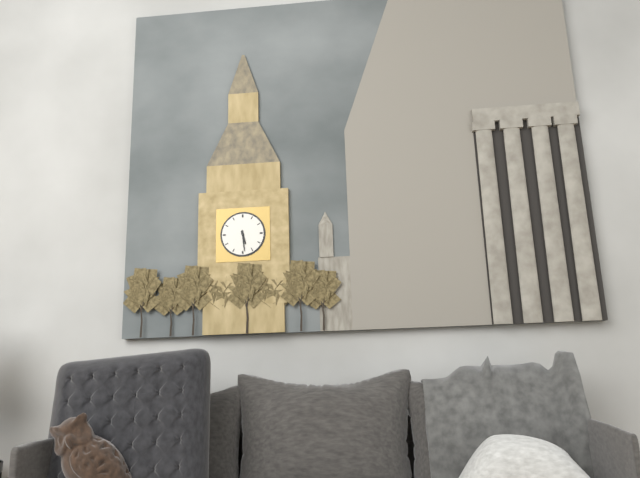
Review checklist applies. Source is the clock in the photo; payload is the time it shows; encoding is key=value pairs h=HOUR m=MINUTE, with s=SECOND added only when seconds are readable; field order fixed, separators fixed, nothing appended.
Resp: h=5 m=29
